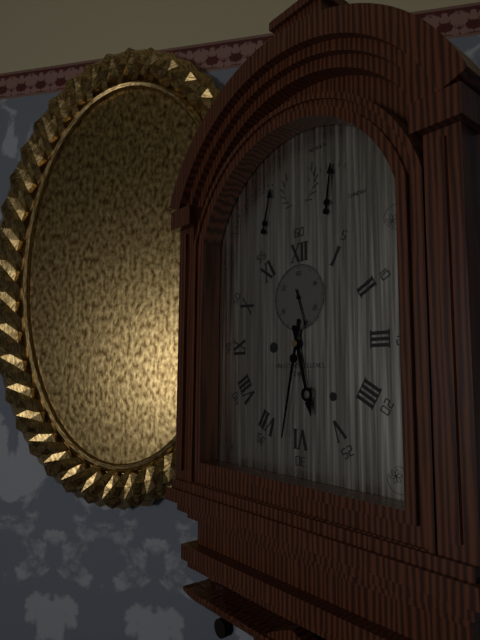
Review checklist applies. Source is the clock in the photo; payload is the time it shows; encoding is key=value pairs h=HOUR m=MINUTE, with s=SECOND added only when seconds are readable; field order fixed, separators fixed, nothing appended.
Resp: h=5 m=32
